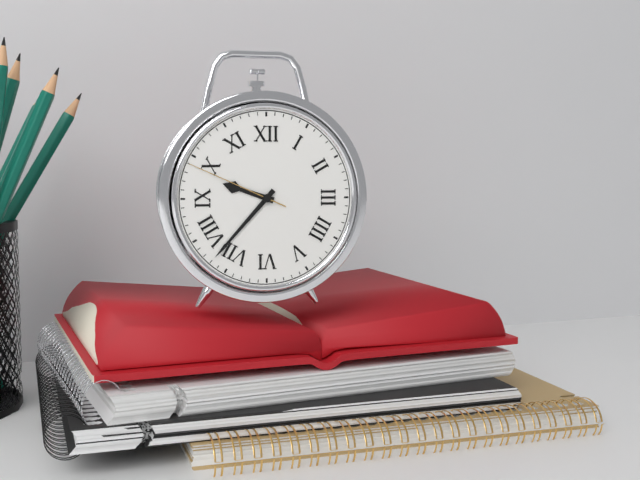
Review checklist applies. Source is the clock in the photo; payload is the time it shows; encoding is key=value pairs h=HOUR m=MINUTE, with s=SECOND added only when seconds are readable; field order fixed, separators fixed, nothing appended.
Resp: h=9 m=37 s=49
